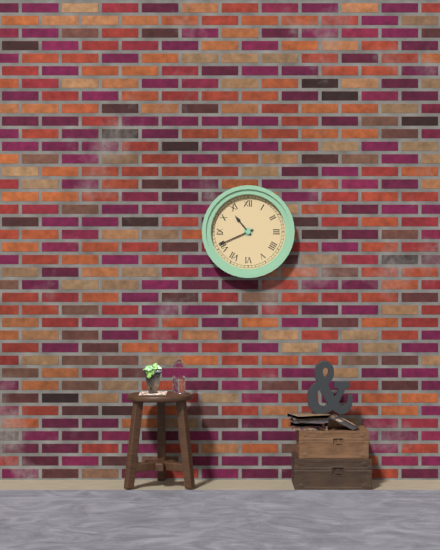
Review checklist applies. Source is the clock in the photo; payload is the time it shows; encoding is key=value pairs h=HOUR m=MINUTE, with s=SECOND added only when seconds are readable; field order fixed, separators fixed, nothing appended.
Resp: h=10 m=41
